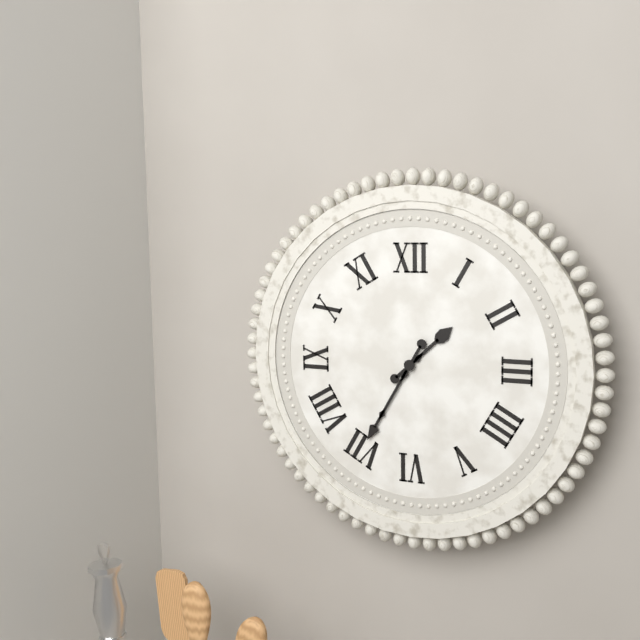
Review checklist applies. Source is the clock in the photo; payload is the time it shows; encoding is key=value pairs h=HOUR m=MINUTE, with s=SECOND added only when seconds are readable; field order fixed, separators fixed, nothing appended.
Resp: h=1 m=35
